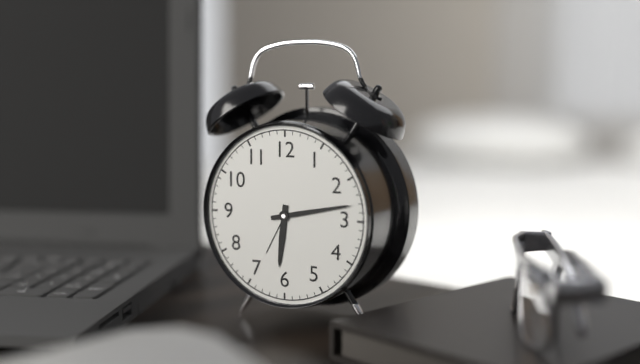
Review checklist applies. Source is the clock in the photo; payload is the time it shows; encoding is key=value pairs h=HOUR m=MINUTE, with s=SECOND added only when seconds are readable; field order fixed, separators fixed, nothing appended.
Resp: h=6 m=13
